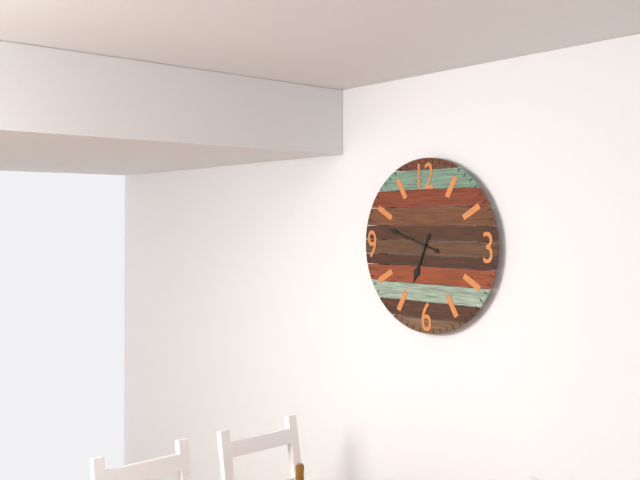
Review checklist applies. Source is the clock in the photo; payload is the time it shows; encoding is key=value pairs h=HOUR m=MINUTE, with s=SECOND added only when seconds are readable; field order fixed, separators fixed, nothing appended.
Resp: h=6 m=48
